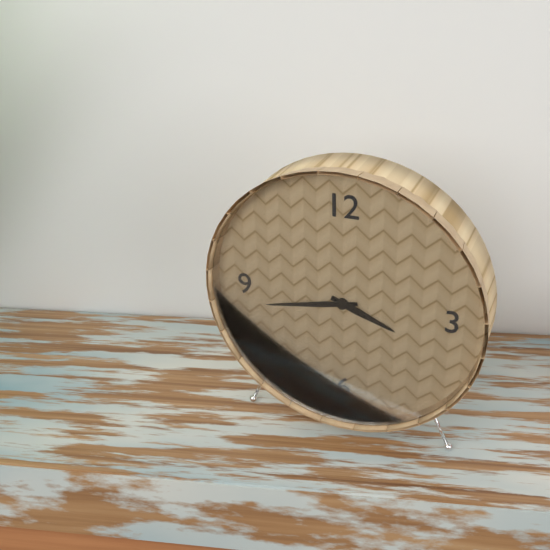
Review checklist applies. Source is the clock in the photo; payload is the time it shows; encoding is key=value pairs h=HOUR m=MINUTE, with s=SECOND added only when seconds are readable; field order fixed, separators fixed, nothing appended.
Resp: h=3 m=43
